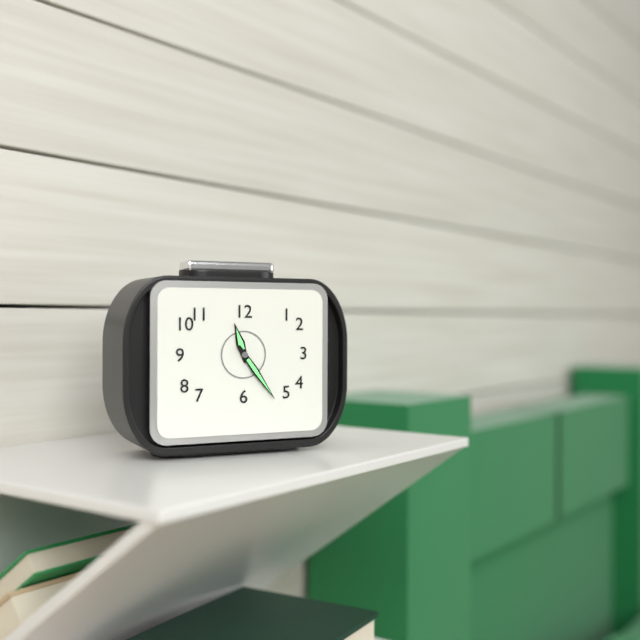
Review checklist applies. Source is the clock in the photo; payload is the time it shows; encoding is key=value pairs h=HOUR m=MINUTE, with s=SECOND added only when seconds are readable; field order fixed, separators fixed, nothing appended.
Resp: h=11 m=24
